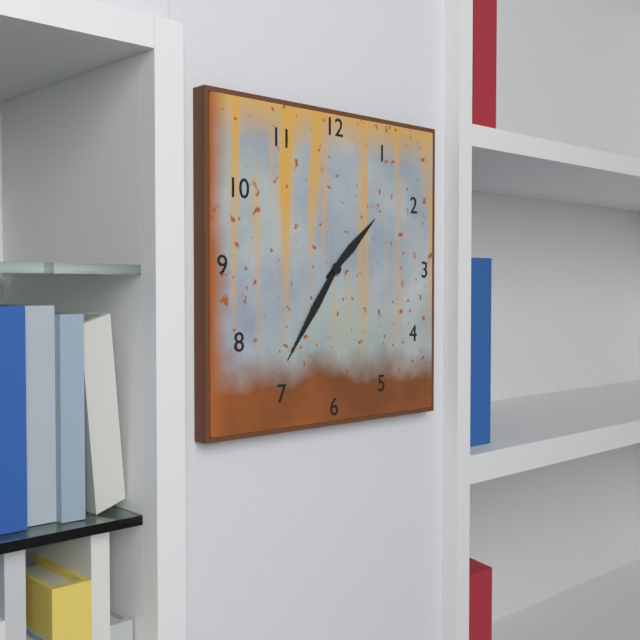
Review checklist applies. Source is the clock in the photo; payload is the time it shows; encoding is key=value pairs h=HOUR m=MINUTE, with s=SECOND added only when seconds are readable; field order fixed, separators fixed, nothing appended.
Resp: h=1 m=36
